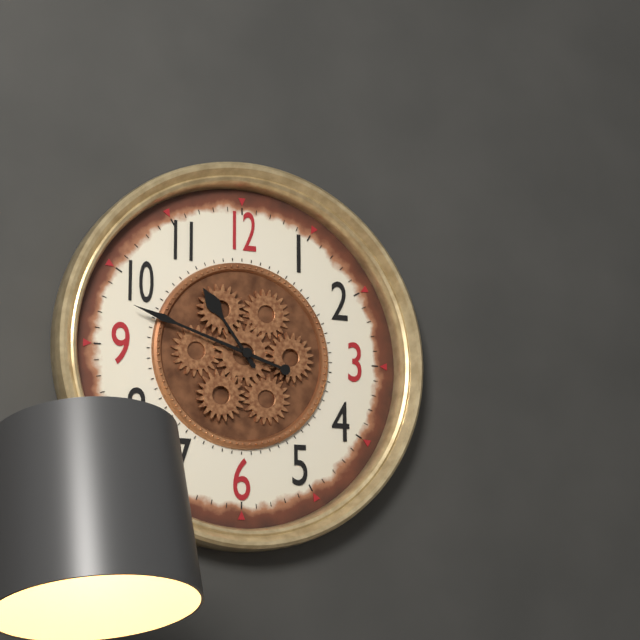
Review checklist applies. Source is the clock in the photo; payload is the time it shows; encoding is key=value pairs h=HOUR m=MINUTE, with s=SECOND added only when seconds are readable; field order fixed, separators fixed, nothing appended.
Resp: h=10 m=48
